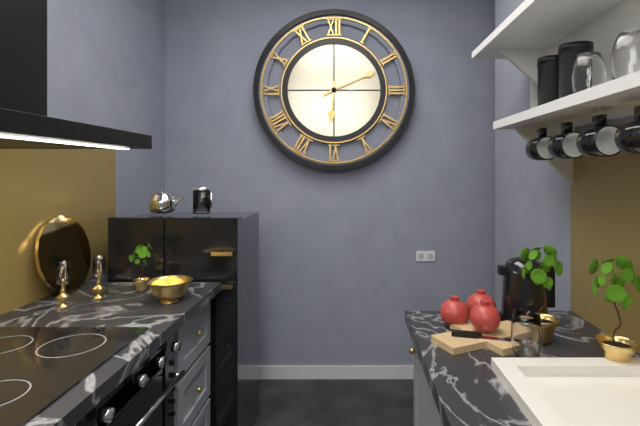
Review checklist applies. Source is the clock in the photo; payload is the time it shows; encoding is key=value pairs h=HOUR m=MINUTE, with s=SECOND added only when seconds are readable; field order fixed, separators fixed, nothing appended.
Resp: h=6 m=11
